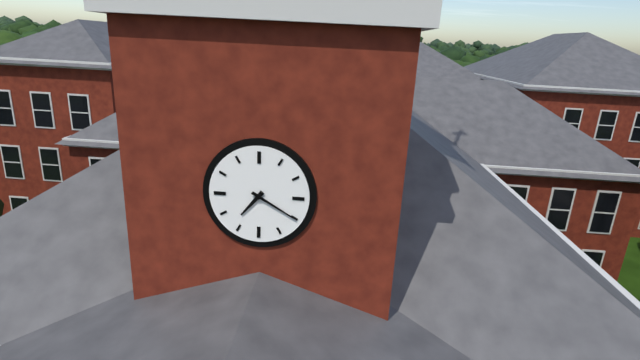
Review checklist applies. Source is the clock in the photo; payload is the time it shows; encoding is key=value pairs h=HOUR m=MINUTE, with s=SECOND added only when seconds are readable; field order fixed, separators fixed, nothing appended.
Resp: h=7 m=20
